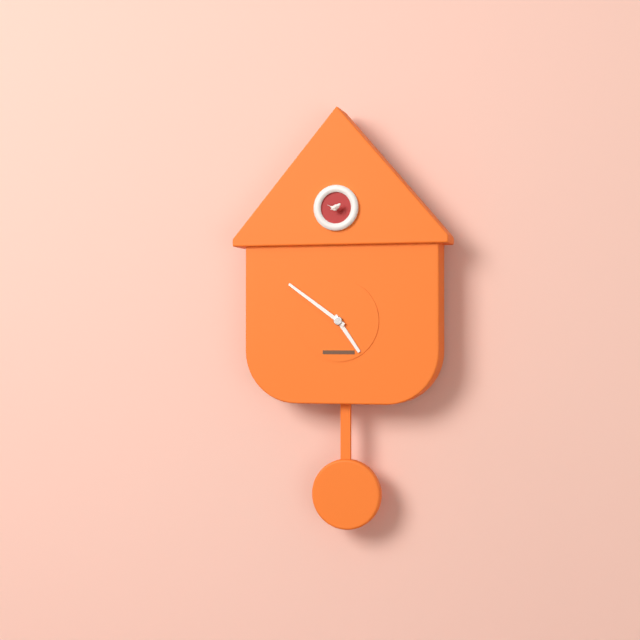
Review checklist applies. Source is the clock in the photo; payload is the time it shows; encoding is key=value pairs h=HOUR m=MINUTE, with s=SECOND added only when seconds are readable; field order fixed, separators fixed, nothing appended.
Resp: h=4 m=51
